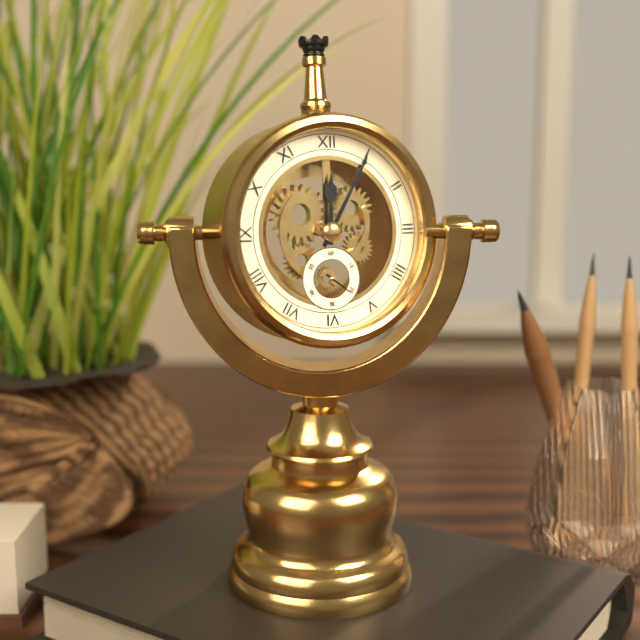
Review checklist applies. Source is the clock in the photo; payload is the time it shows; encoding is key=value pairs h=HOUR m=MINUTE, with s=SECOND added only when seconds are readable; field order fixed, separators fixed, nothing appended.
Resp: h=12 m=5
